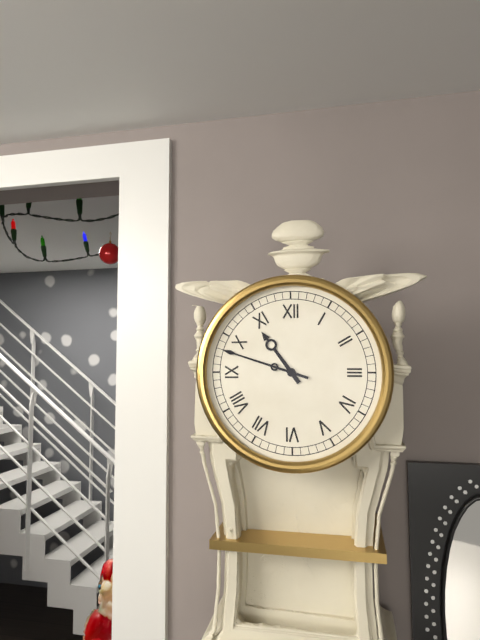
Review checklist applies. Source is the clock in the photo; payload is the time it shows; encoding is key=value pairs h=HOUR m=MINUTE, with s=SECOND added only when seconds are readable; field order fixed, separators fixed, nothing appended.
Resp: h=10 m=48
